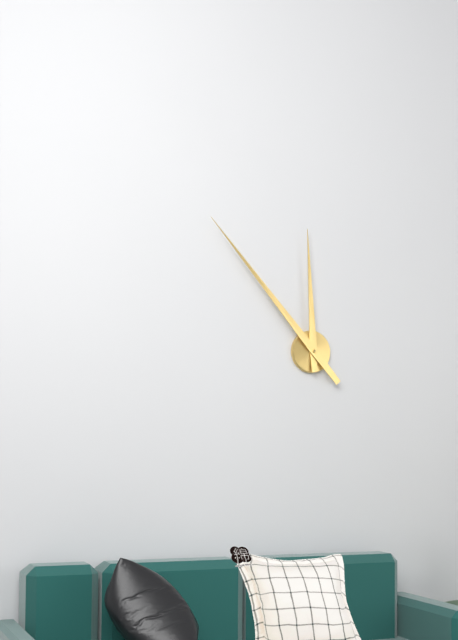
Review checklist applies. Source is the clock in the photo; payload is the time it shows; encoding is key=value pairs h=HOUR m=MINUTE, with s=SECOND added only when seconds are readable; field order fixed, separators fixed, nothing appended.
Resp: h=11 m=53
